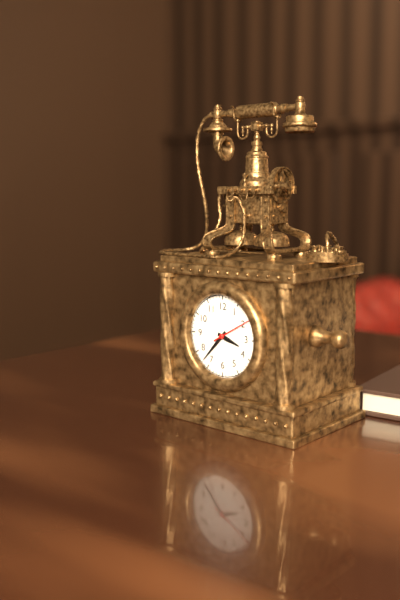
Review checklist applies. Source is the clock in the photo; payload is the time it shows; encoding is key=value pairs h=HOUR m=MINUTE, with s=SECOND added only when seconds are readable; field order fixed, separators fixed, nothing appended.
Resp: h=3 m=37
